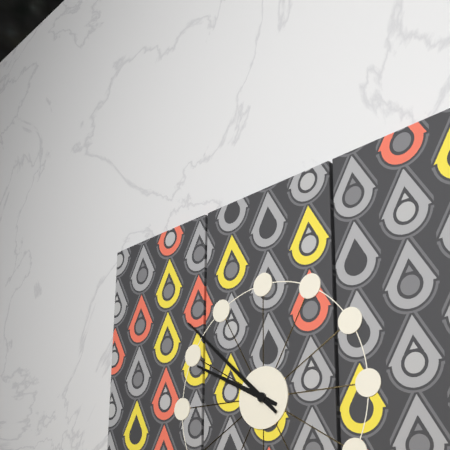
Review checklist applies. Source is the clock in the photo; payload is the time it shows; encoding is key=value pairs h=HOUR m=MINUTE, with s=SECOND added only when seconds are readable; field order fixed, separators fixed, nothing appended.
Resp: h=9 m=52
